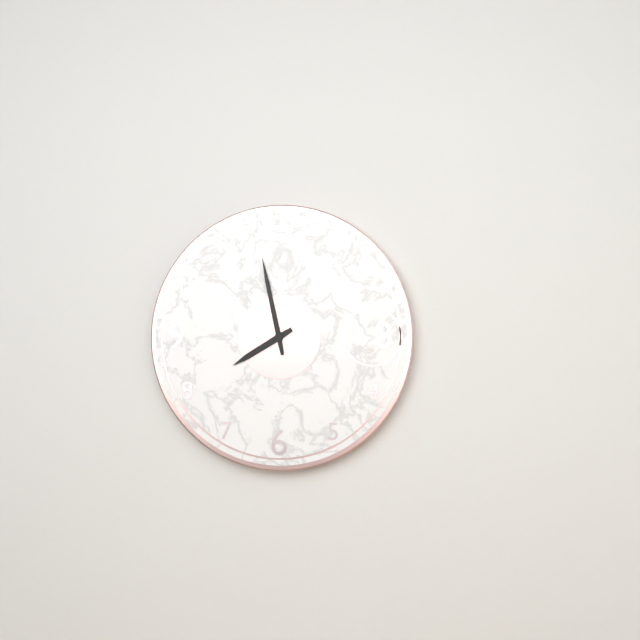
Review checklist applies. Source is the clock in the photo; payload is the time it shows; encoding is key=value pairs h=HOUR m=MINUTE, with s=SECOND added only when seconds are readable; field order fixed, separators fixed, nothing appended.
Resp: h=7 m=58
